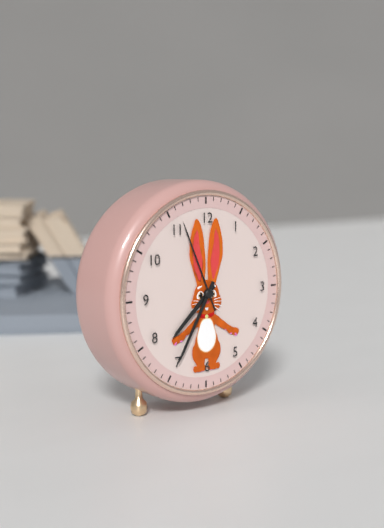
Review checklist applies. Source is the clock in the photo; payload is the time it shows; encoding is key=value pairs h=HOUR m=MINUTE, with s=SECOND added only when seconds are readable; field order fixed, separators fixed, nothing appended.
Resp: h=7 m=35 s=56
